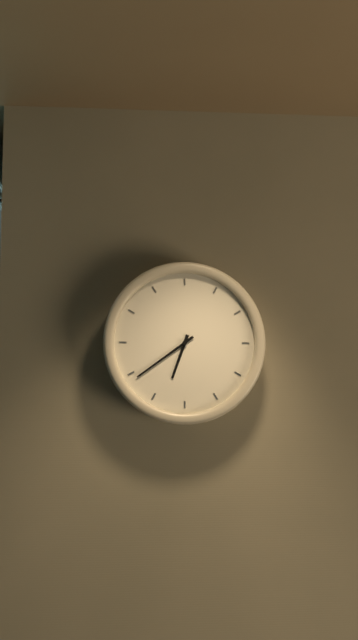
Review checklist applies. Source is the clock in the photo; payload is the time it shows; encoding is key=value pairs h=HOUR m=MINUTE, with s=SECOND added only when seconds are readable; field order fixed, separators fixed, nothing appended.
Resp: h=6 m=39
